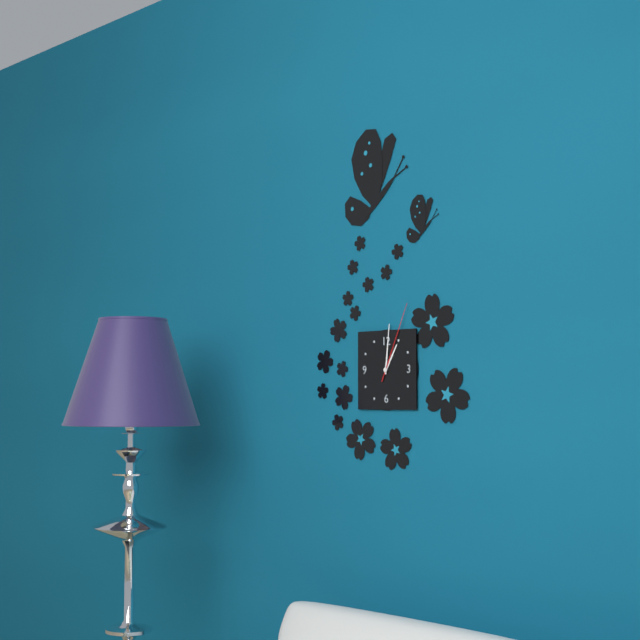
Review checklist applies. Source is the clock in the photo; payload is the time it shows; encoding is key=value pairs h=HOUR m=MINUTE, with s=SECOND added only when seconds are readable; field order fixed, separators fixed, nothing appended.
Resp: h=1 m=1 s=4
